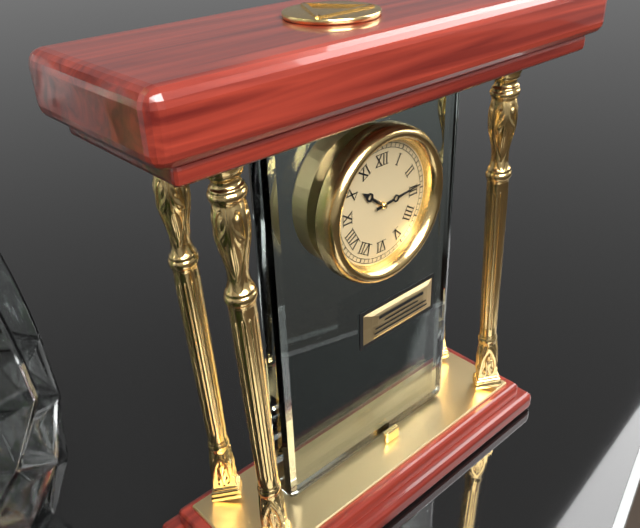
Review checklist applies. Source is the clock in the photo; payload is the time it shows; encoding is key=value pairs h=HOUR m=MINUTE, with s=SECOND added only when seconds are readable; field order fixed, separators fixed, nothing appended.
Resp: h=10 m=14
